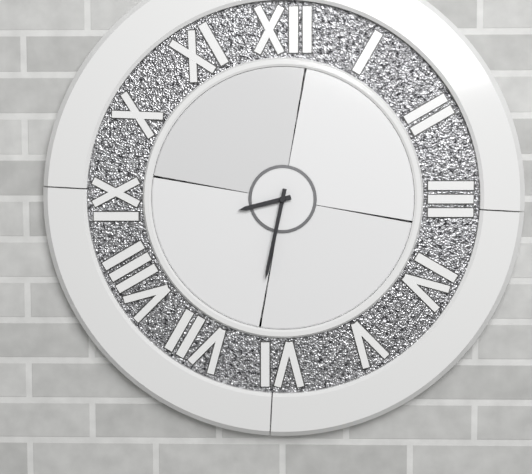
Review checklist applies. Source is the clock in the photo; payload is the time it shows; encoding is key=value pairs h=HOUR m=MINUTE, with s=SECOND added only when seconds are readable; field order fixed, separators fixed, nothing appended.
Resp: h=8 m=32
